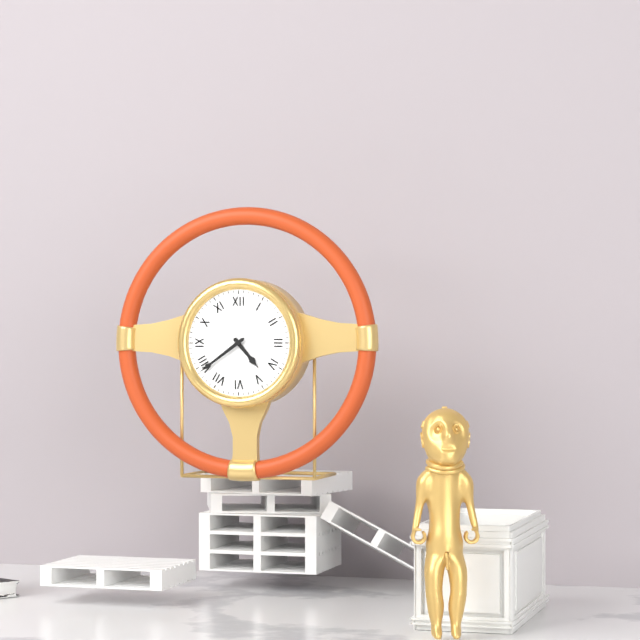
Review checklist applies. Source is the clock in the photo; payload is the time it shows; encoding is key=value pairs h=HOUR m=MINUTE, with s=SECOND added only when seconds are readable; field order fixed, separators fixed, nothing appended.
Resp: h=4 m=39
